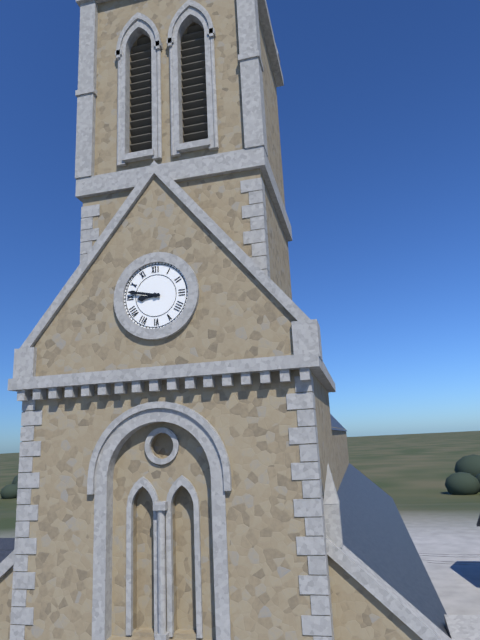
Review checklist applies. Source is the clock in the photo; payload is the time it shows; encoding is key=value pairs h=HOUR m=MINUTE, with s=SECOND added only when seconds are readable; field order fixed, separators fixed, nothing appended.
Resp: h=8 m=47
